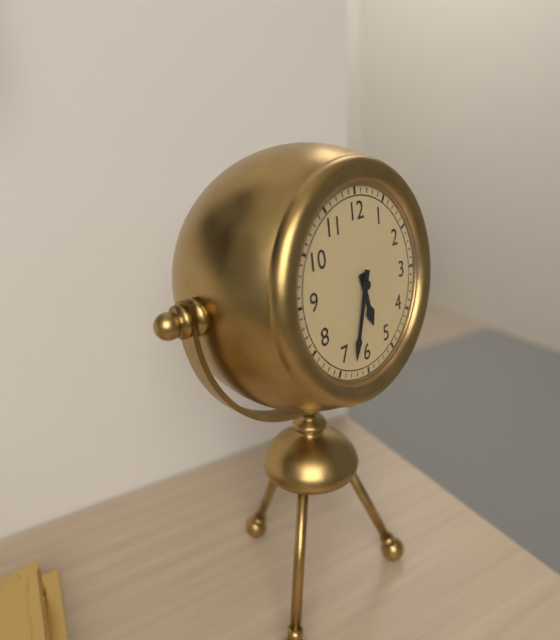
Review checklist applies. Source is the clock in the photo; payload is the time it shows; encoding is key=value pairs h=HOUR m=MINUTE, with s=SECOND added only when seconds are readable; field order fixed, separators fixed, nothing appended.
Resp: h=5 m=33
